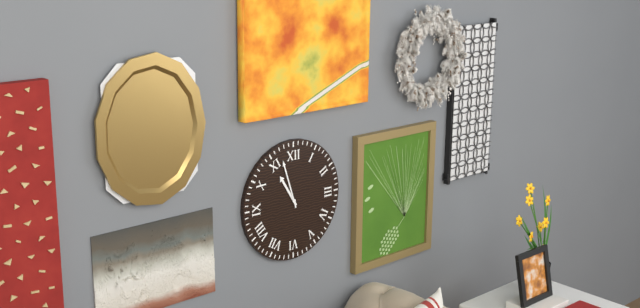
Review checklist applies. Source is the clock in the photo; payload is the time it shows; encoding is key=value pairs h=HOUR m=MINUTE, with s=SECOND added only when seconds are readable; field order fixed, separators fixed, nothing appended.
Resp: h=10 m=57
